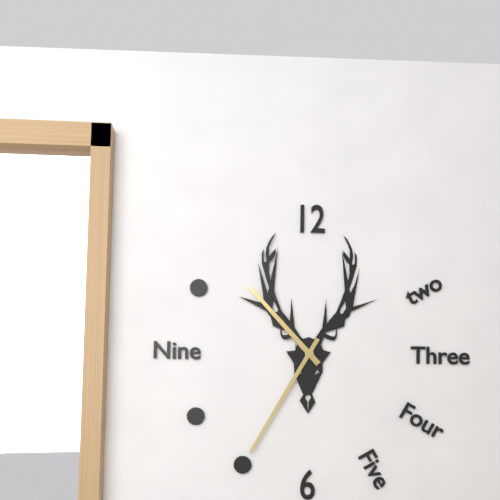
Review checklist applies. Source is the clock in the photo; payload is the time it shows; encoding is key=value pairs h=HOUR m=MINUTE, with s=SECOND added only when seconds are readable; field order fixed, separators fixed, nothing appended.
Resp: h=10 m=35
